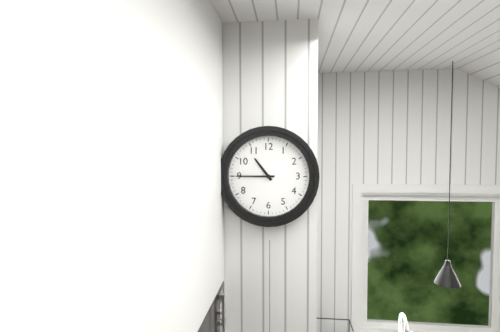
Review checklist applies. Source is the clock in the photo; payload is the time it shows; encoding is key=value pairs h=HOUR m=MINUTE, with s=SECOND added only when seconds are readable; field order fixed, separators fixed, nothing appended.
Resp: h=10 m=45
